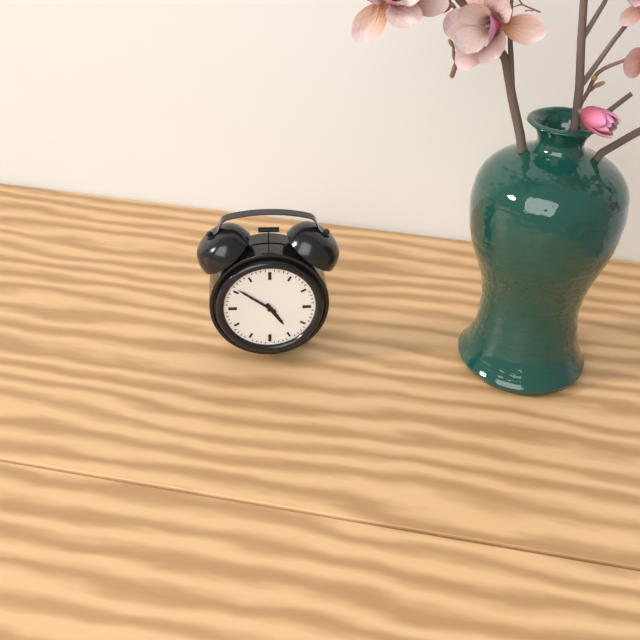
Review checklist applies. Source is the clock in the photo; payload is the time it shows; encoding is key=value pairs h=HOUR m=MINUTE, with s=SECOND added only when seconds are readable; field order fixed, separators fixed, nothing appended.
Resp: h=4 m=51
